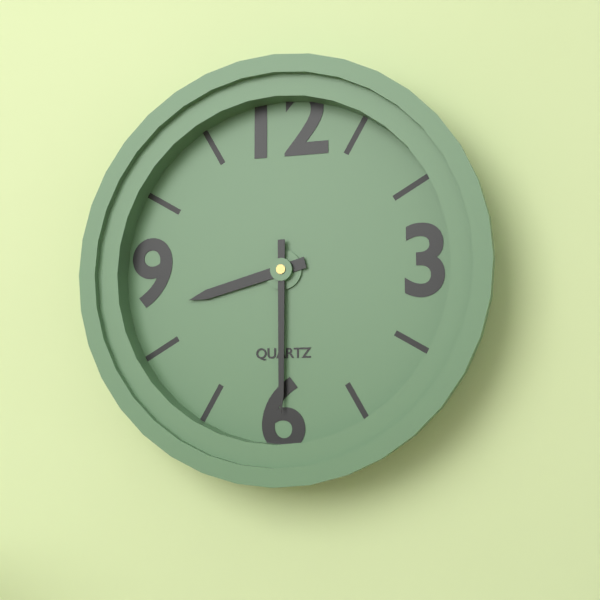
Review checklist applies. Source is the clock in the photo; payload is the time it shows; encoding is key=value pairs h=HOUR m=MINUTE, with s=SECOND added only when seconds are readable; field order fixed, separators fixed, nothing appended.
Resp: h=8 m=30
